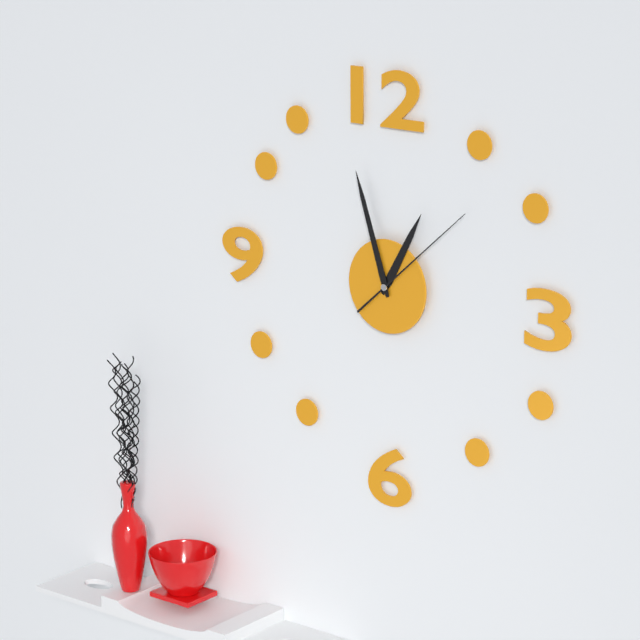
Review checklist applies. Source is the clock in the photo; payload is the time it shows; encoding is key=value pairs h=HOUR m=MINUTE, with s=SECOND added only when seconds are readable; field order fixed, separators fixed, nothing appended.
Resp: h=12 m=57 s=8
